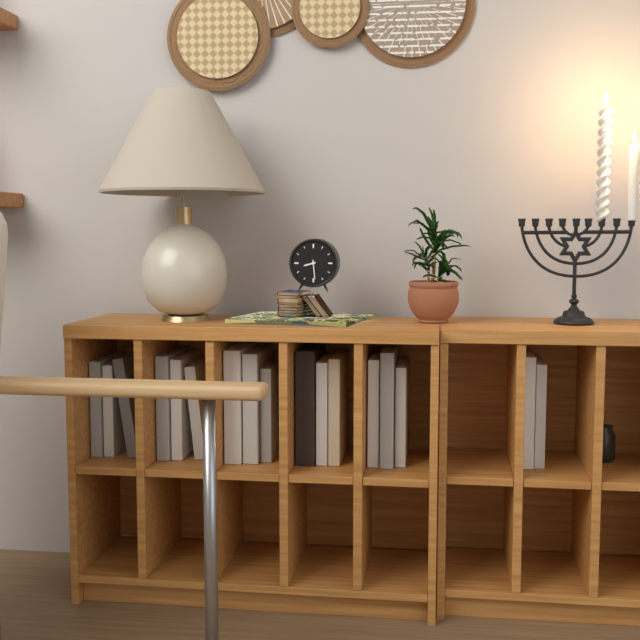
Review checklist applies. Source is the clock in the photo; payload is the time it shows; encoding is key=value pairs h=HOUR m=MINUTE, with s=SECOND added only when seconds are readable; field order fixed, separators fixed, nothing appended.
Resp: h=8 m=29
